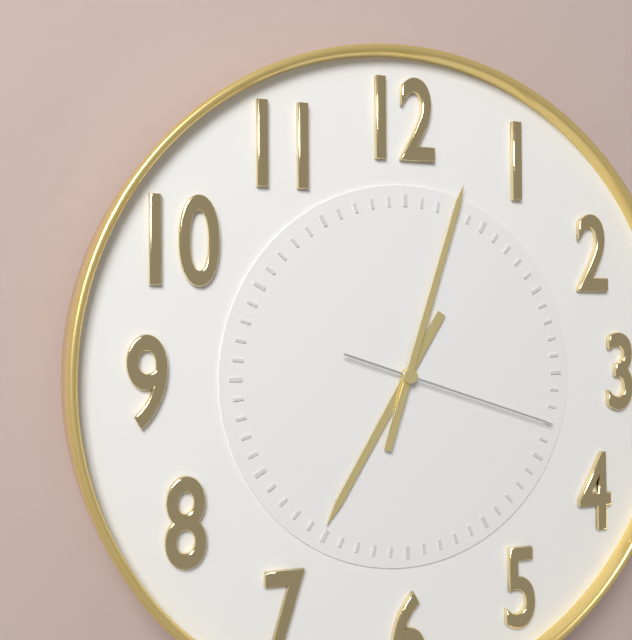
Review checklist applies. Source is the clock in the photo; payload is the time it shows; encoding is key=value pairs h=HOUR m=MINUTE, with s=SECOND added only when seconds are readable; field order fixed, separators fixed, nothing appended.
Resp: h=7 m=3 s=18
